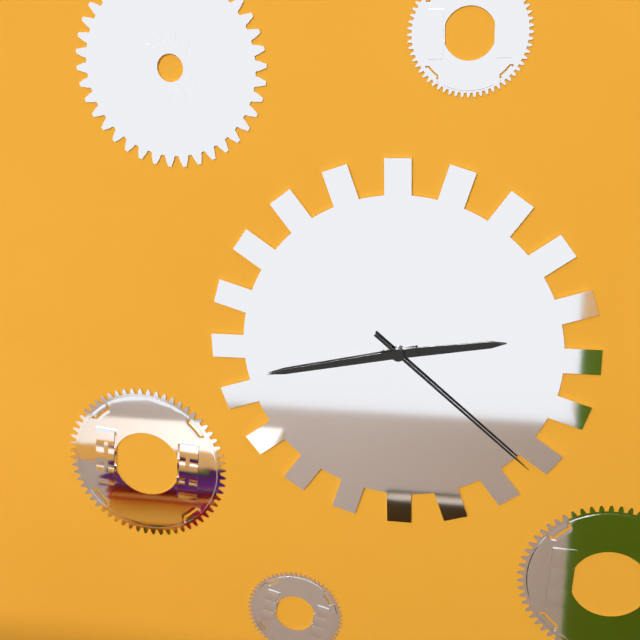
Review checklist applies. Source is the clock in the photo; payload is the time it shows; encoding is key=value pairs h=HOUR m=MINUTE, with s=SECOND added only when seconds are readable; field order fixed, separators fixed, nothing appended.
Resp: h=2 m=43 s=22
